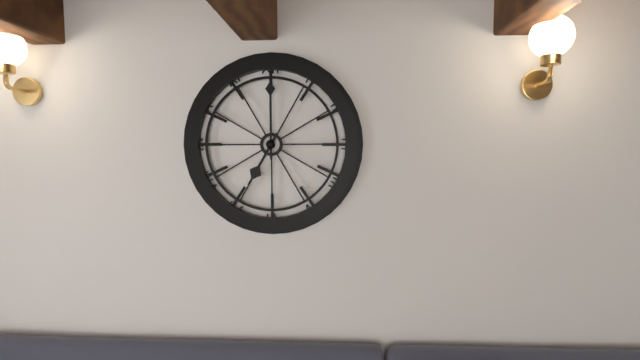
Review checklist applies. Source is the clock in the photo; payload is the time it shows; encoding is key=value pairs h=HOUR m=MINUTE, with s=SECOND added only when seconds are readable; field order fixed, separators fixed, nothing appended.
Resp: h=7 m=0
